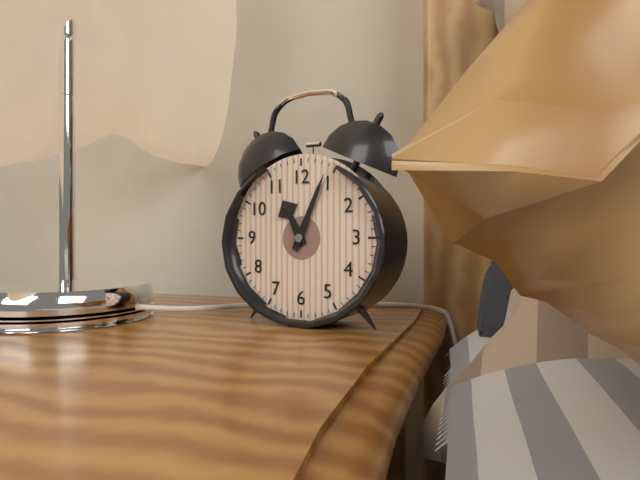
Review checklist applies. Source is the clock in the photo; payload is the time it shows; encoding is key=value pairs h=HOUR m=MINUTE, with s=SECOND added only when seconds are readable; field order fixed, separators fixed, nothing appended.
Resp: h=11 m=4
